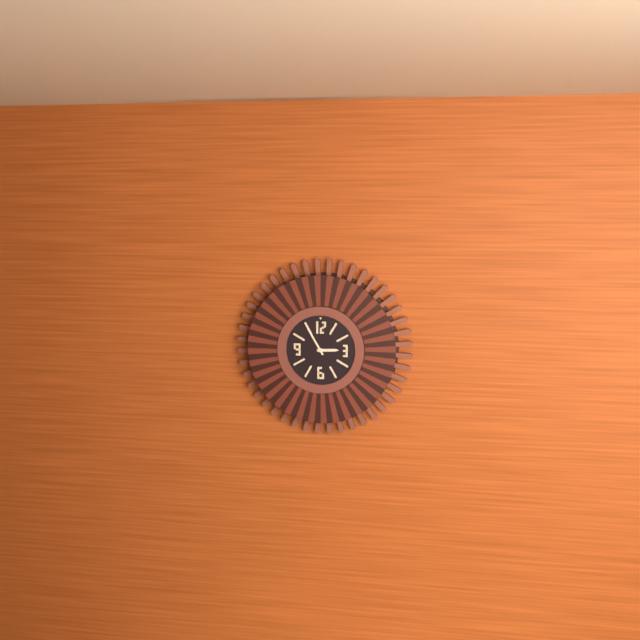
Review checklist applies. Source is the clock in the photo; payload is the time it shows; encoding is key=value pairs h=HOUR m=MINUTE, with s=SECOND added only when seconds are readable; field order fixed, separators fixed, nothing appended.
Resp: h=2 m=55
